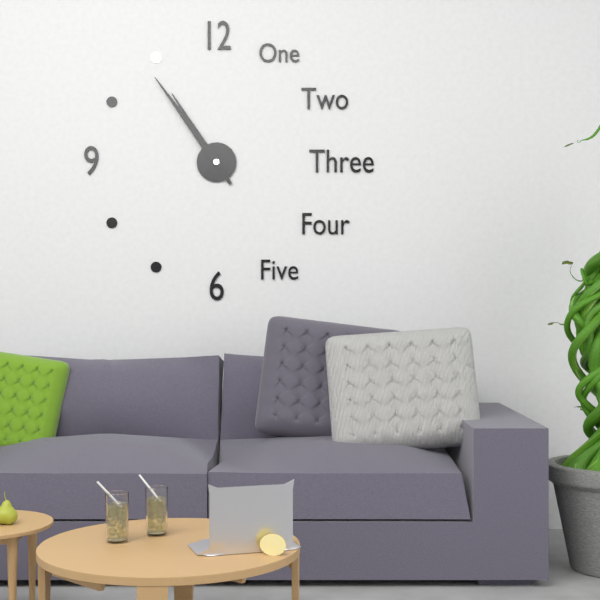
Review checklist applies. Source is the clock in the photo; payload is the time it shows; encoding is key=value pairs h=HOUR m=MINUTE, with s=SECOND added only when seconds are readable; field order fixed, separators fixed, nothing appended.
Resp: h=10 m=54
